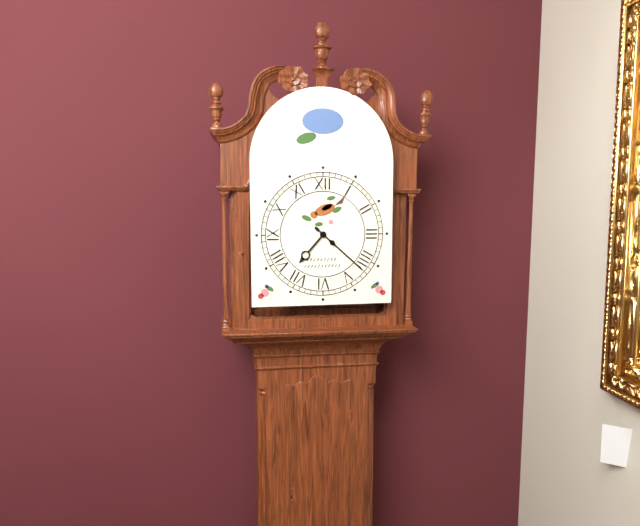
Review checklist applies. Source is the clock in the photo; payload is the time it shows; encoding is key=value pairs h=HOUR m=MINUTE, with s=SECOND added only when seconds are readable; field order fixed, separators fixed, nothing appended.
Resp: h=7 m=22
